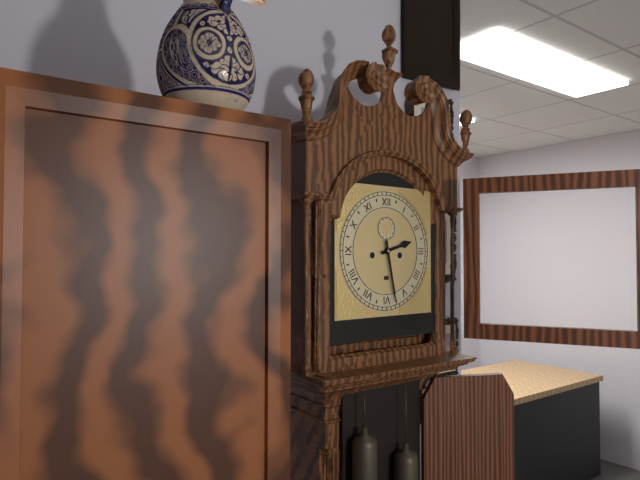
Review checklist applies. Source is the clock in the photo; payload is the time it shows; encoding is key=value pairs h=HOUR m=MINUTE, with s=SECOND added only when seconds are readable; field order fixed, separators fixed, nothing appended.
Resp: h=2 m=28
